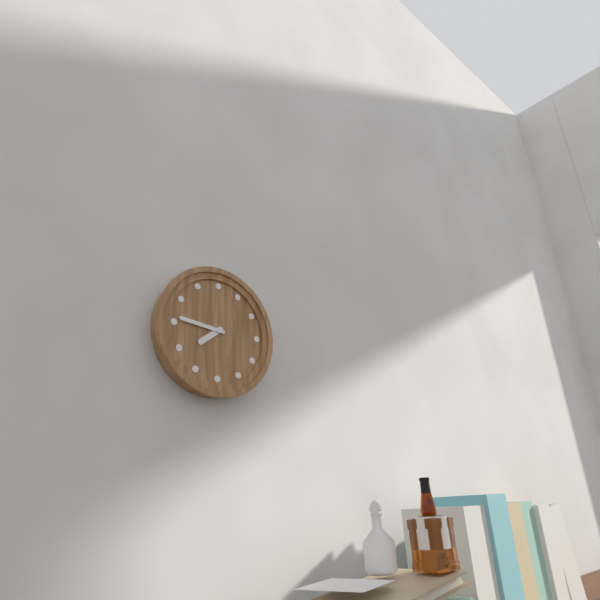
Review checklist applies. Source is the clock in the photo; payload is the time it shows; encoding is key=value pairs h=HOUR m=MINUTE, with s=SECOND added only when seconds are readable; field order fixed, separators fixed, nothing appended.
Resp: h=7 m=46
